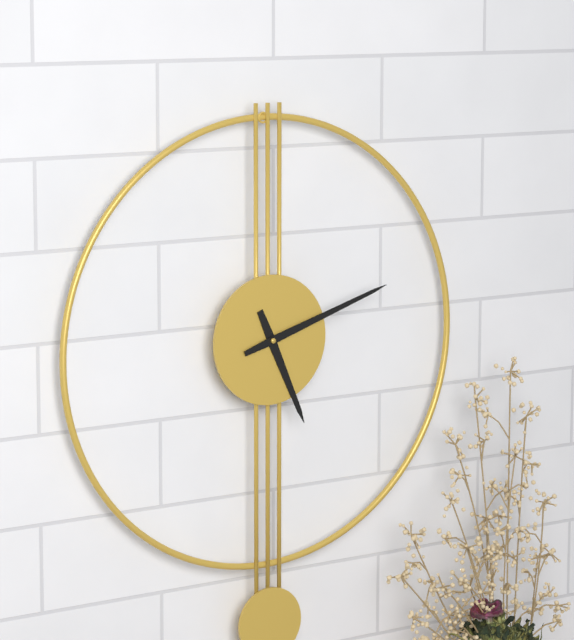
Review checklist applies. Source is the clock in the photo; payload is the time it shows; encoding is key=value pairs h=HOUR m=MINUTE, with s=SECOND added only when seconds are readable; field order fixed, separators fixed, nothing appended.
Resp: h=5 m=12
